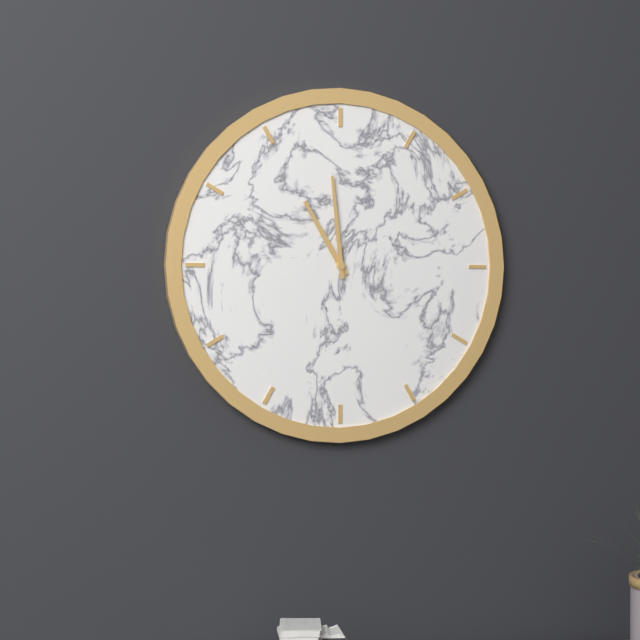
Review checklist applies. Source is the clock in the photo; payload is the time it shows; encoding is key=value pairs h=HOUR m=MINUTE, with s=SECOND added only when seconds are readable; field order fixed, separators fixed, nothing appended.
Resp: h=10 m=59
